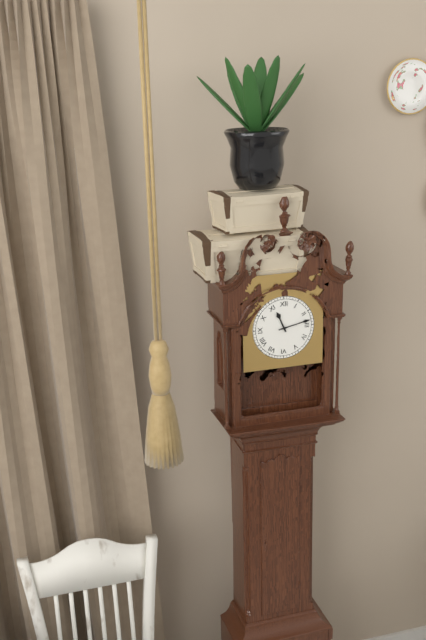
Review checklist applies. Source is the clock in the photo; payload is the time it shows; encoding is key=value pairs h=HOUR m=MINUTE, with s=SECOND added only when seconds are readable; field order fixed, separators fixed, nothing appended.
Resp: h=11 m=13
